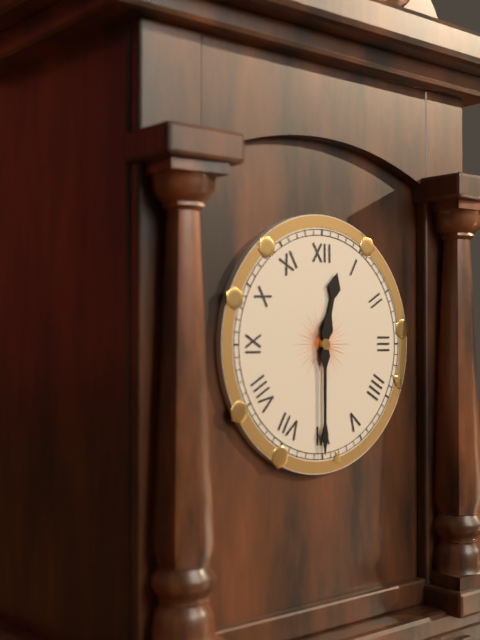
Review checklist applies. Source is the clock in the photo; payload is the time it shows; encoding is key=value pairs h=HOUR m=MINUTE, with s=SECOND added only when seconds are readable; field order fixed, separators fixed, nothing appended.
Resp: h=12 m=30
